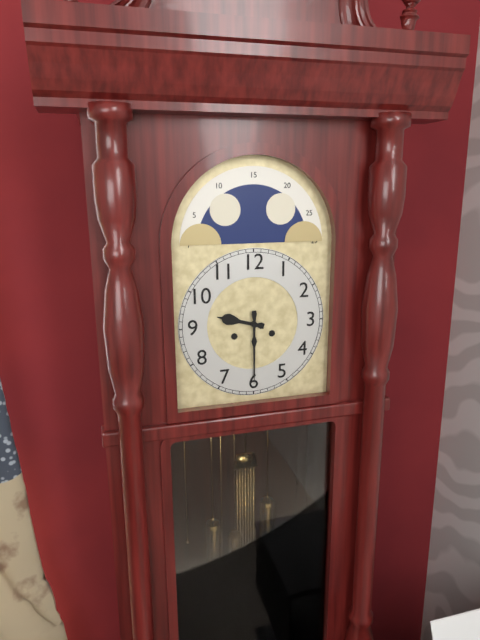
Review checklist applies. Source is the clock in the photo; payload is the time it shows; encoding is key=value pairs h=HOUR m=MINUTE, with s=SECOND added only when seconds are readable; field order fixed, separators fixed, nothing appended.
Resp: h=9 m=30
